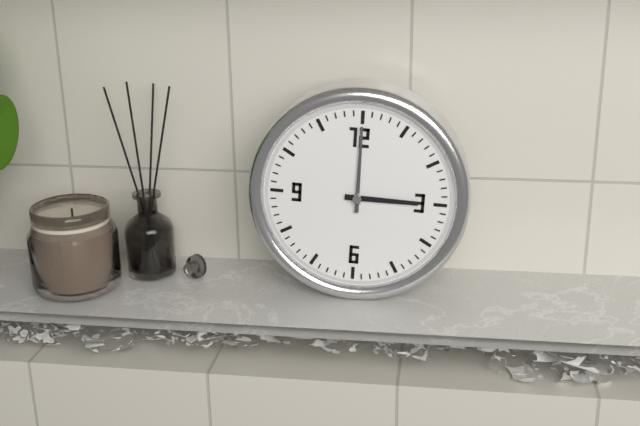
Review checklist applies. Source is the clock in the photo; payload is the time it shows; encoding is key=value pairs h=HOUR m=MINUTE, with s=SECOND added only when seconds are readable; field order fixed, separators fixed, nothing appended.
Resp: h=3 m=0
